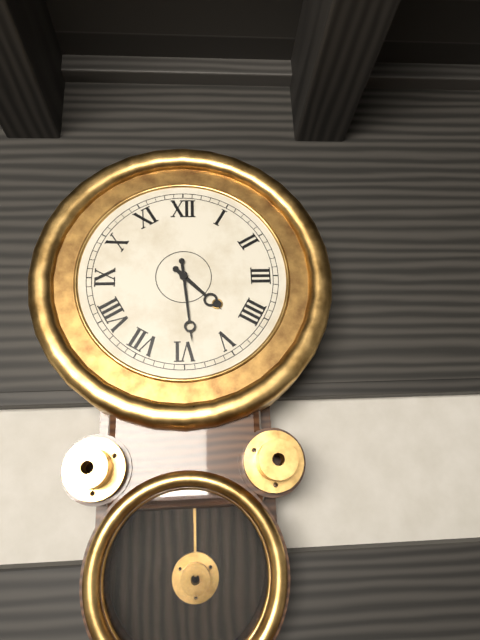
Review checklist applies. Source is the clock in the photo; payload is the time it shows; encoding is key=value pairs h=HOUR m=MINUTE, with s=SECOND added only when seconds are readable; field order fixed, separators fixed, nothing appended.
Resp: h=4 m=29
